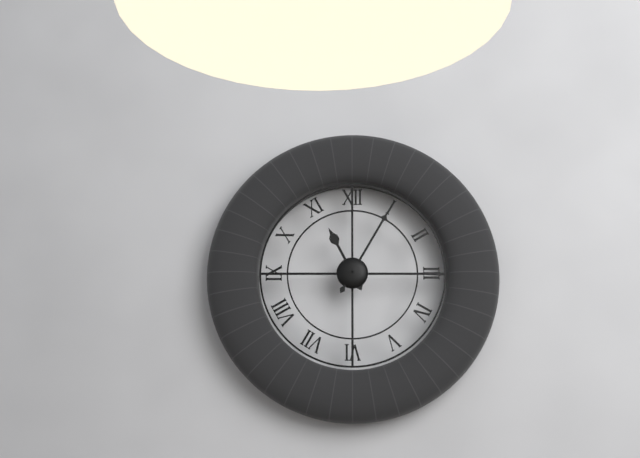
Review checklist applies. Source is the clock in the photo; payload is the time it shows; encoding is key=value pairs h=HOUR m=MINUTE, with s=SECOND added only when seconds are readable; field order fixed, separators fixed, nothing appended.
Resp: h=11 m=5
